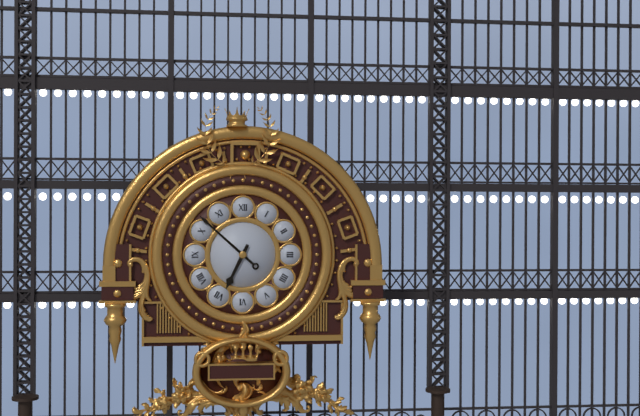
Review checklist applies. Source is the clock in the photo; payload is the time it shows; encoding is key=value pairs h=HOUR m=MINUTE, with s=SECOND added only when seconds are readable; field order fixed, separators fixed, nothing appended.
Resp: h=6 m=52
